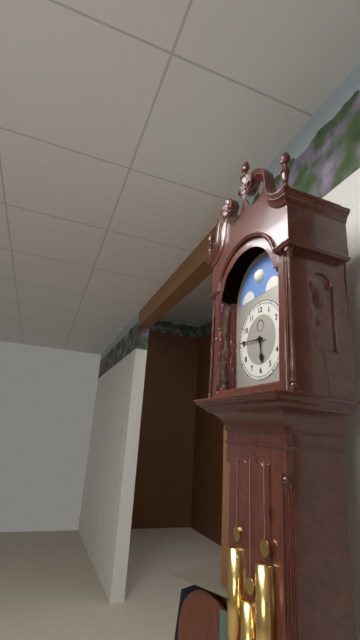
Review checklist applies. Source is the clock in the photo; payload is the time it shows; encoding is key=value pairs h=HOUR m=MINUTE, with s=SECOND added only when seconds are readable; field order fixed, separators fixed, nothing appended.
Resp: h=5 m=46
